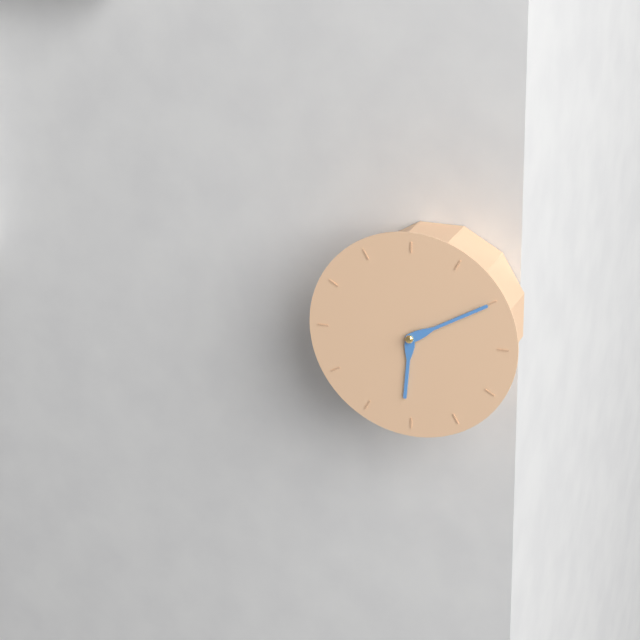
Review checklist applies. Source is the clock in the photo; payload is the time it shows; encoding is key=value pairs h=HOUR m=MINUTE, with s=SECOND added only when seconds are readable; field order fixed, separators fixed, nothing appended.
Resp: h=6 m=10
